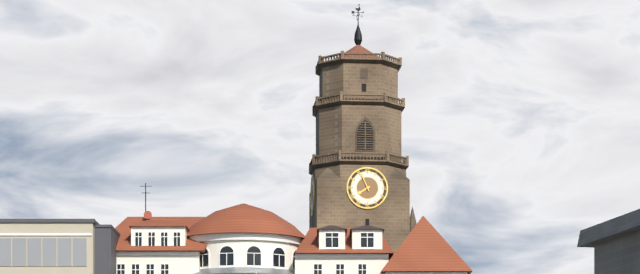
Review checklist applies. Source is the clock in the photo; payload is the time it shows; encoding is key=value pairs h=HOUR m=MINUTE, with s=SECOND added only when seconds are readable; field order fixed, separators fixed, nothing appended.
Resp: h=7 m=56
